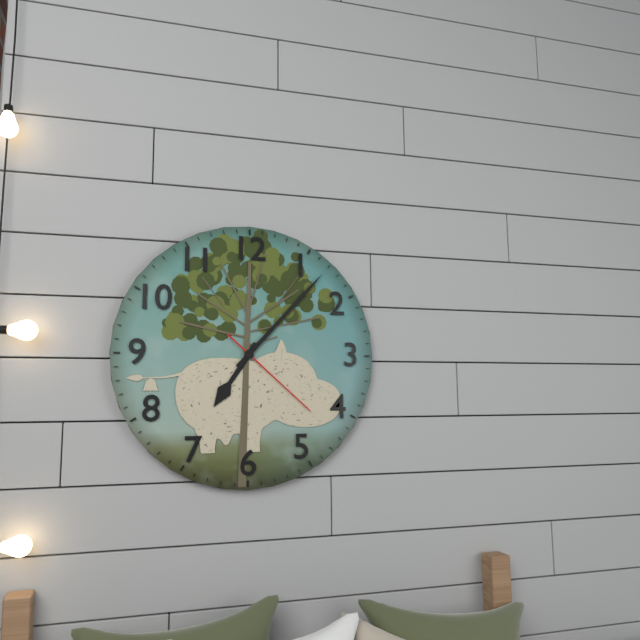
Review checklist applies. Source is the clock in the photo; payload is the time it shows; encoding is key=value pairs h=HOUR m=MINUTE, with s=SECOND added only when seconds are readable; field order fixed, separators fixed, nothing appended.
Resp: h=7 m=7 s=22
